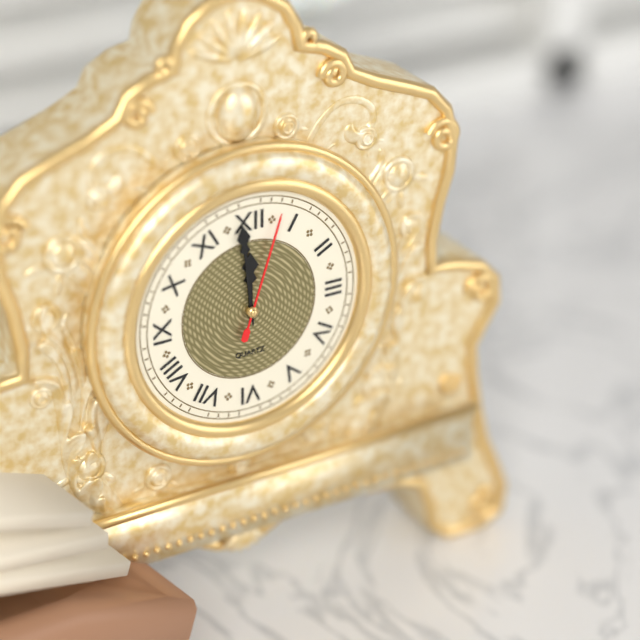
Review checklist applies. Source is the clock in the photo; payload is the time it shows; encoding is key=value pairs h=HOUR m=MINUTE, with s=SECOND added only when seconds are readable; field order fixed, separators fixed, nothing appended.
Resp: h=11 m=59 s=3
